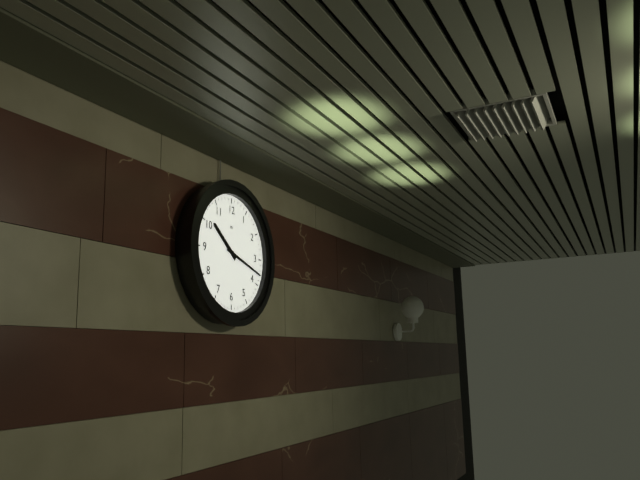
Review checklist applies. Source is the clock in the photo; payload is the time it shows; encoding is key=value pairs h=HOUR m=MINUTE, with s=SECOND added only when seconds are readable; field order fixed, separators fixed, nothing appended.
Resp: h=10 m=18
